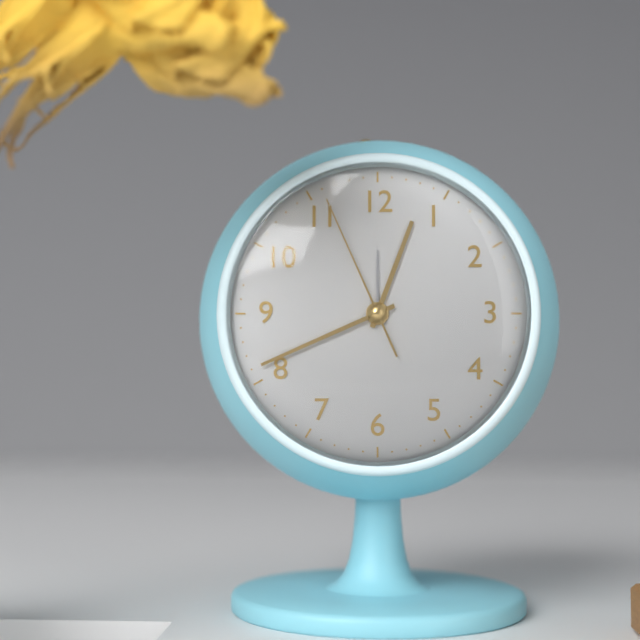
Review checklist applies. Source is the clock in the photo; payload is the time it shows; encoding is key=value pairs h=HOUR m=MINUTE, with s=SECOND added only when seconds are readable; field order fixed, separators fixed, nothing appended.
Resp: h=12 m=41 s=56
